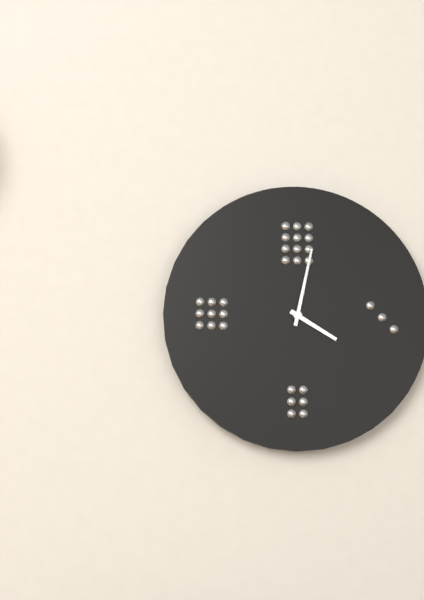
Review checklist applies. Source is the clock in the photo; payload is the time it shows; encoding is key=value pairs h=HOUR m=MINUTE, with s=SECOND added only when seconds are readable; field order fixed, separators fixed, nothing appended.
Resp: h=4 m=2
